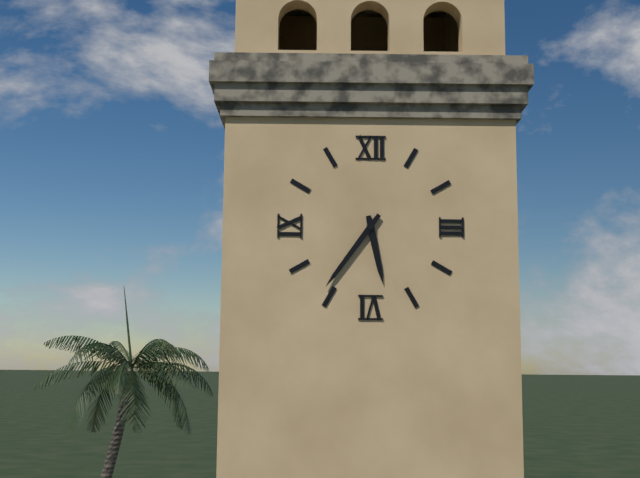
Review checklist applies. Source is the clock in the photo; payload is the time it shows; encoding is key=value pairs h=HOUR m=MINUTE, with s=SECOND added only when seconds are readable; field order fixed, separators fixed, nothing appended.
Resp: h=5 m=36
